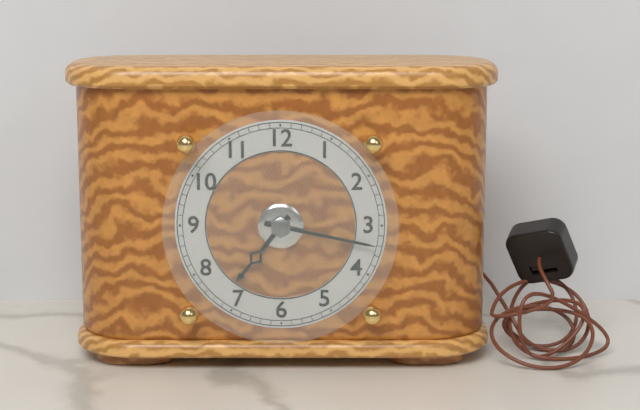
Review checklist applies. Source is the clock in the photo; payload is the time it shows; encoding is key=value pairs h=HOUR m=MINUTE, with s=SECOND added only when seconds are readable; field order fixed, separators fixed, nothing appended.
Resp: h=7 m=17
